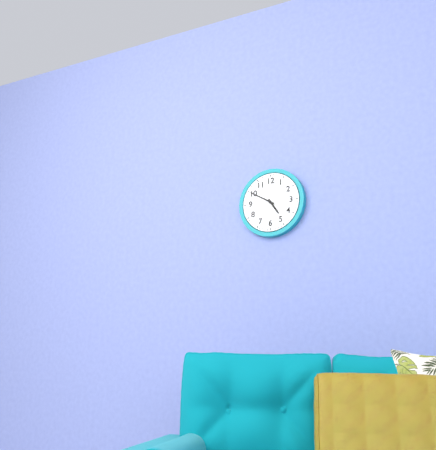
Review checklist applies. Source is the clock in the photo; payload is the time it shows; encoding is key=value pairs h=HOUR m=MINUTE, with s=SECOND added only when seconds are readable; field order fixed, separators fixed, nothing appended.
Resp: h=4 m=50
